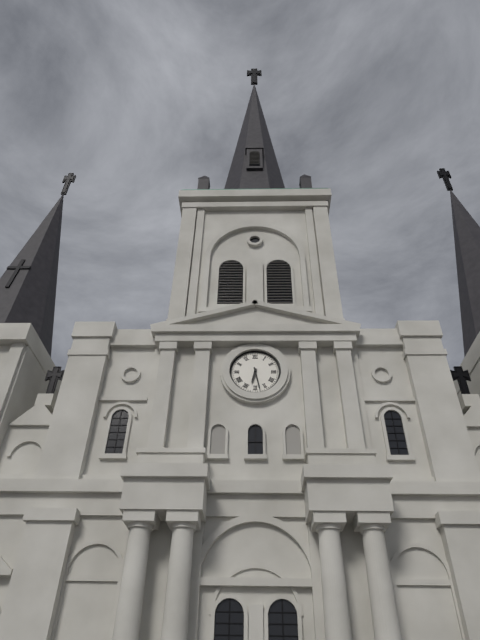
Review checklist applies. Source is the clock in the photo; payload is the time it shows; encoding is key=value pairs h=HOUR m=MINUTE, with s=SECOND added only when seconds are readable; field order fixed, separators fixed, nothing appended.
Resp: h=6 m=28
